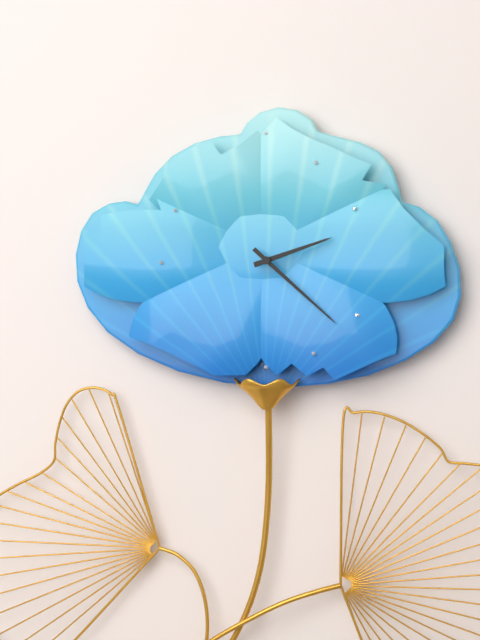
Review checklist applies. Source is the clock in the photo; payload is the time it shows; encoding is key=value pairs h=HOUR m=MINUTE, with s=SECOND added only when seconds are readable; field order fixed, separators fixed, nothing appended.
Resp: h=2 m=22
